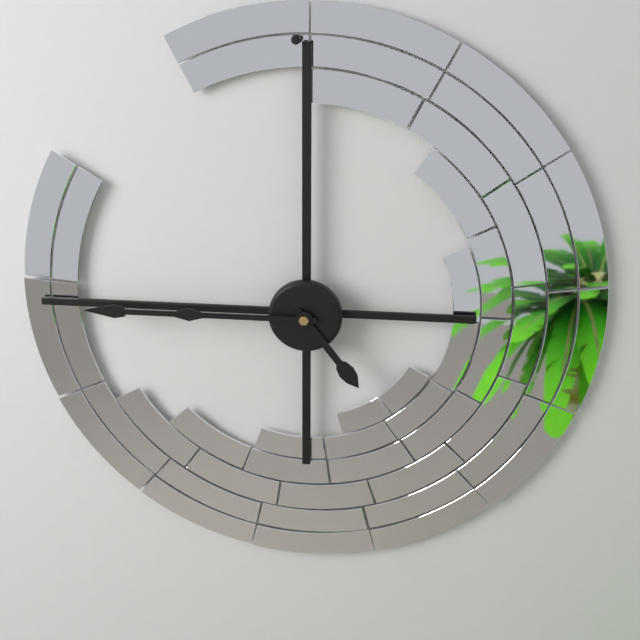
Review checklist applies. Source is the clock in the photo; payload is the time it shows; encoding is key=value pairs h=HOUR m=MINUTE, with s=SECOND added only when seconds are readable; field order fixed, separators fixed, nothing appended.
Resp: h=4 m=45
